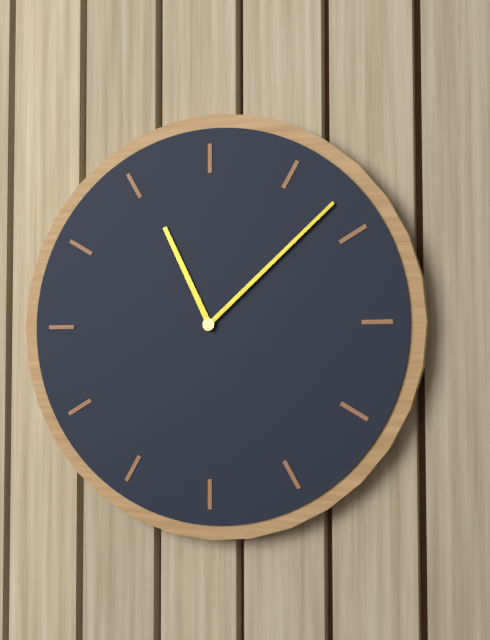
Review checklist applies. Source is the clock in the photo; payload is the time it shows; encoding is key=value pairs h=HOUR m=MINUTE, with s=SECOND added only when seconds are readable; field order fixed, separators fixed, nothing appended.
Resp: h=11 m=8
